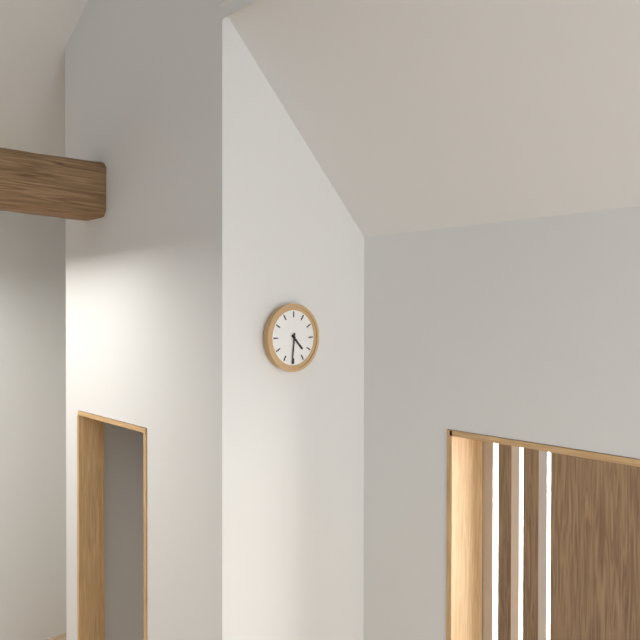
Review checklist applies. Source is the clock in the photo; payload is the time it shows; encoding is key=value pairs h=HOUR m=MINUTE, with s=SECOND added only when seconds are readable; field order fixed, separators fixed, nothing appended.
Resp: h=4 m=31
